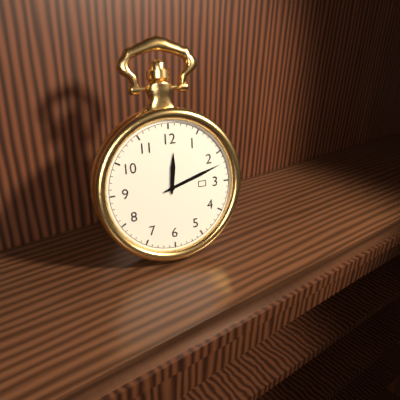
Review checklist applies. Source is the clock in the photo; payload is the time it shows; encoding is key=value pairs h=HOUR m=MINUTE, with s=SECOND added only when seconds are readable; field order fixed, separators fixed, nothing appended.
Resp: h=12 m=12
